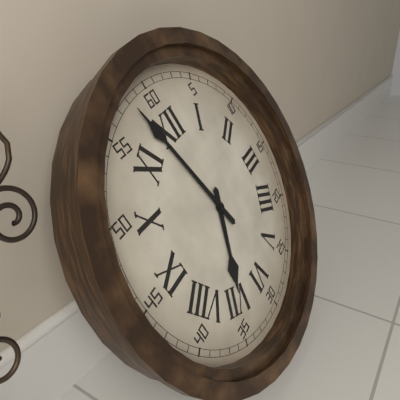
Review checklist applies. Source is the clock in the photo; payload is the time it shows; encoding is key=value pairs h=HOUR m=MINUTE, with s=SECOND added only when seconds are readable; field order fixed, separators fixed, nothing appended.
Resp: h=6 m=58
